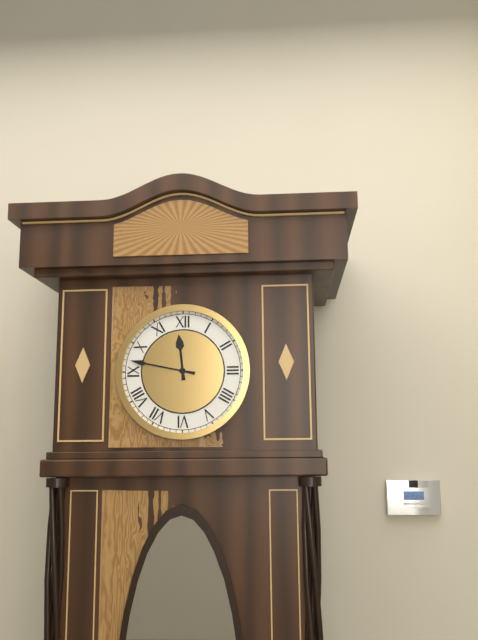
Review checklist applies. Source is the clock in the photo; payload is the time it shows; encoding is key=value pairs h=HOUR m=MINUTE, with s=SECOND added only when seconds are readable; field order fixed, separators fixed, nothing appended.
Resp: h=11 m=47
